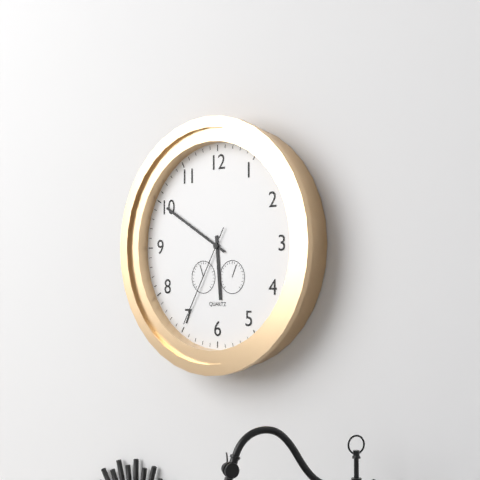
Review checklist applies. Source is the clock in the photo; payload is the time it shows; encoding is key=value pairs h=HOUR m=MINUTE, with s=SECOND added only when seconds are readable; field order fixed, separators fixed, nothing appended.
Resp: h=5 m=50 s=35
